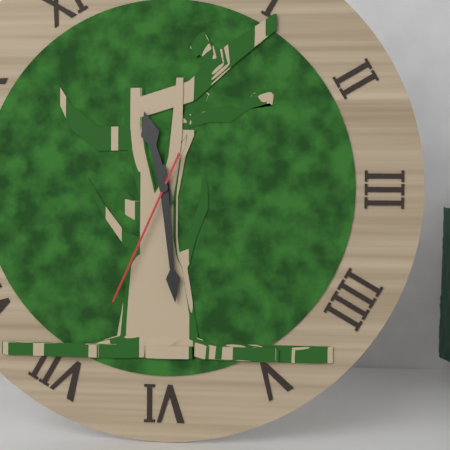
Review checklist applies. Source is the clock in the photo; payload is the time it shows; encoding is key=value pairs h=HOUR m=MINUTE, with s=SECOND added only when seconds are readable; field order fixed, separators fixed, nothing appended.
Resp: h=11 m=29 s=34
